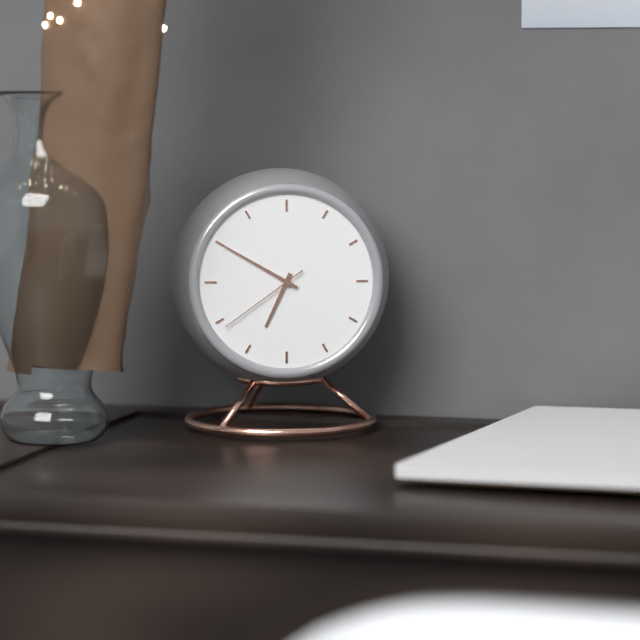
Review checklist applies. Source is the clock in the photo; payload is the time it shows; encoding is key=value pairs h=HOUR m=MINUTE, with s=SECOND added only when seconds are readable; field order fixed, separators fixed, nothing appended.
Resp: h=6 m=50 s=39
